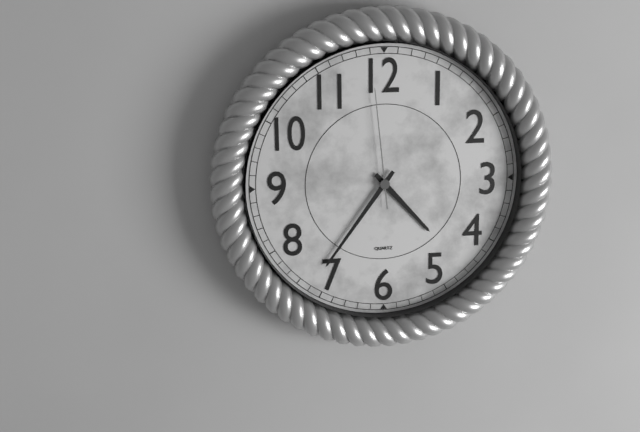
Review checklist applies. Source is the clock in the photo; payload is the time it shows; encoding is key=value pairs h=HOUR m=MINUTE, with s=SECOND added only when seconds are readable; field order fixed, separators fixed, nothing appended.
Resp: h=4 m=36 s=59
